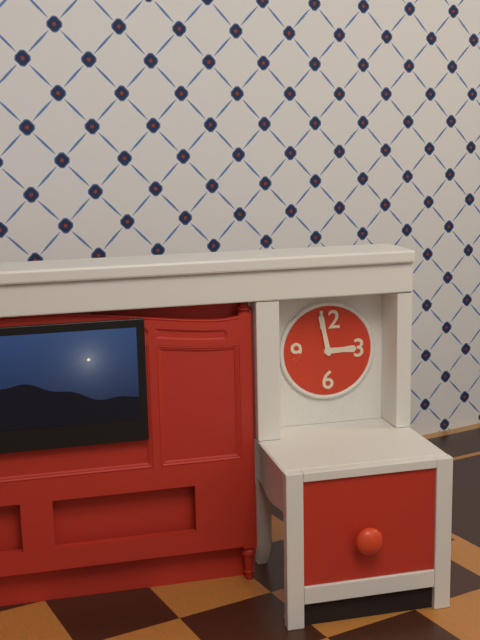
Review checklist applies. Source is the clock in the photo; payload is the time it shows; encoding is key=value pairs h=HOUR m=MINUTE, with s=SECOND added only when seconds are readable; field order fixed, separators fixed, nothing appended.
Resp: h=2 m=58
